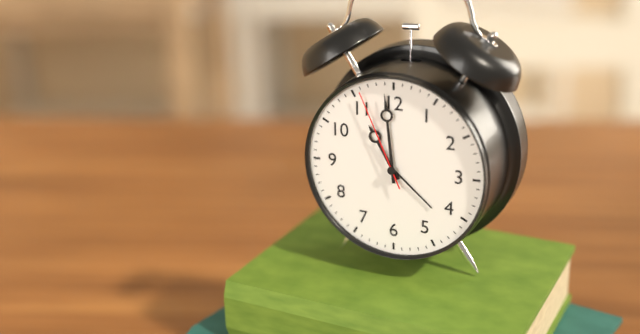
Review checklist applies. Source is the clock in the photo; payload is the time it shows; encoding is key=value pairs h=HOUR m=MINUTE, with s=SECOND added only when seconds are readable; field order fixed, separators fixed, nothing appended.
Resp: h=10 m=59 s=56
